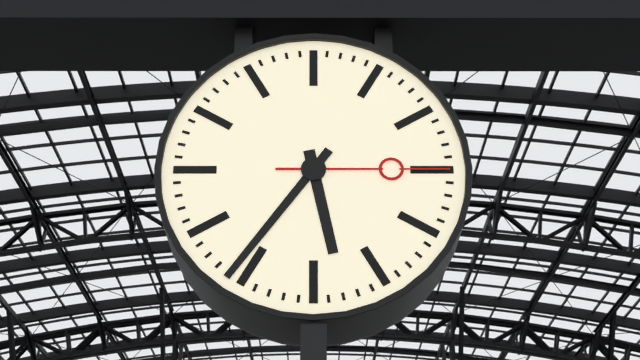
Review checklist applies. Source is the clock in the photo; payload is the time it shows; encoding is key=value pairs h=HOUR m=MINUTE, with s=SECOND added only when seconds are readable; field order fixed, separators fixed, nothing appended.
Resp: h=5 m=36 s=15
